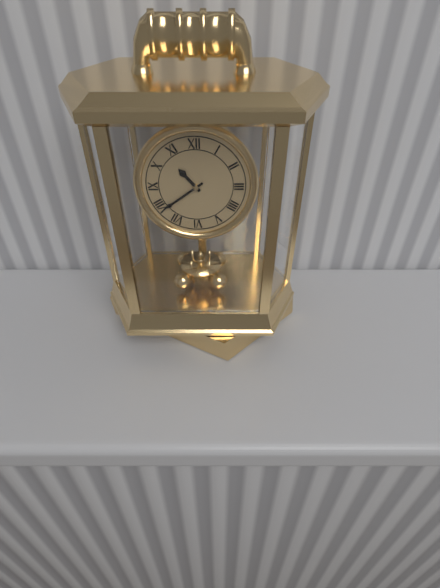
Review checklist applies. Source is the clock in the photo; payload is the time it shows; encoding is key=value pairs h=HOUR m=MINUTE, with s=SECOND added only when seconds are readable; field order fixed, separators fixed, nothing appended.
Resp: h=10 m=39
